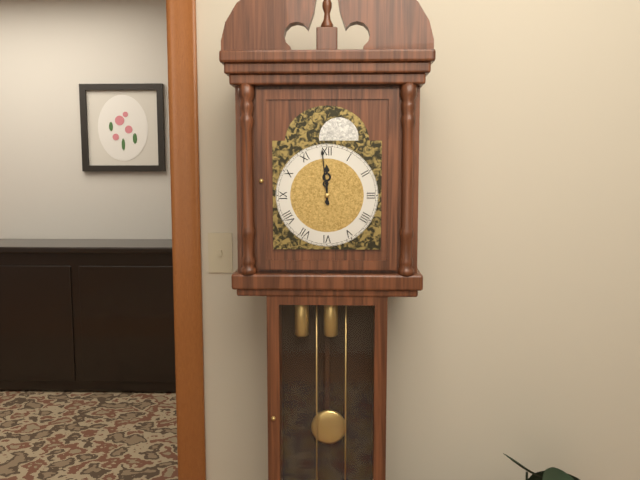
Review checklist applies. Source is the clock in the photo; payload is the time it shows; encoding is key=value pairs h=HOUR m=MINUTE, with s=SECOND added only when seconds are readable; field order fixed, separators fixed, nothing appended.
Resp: h=11 m=59
